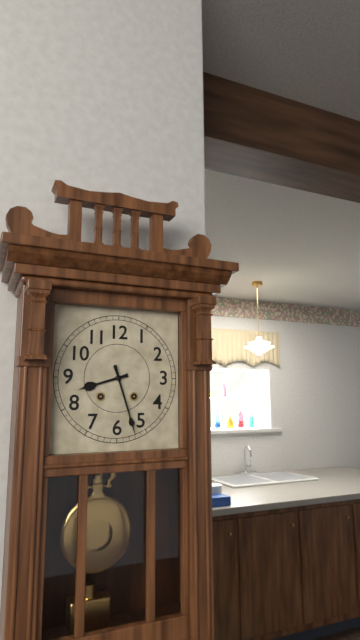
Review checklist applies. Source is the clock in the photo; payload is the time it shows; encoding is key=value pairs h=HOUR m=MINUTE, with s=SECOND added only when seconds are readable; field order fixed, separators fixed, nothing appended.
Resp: h=8 m=27
